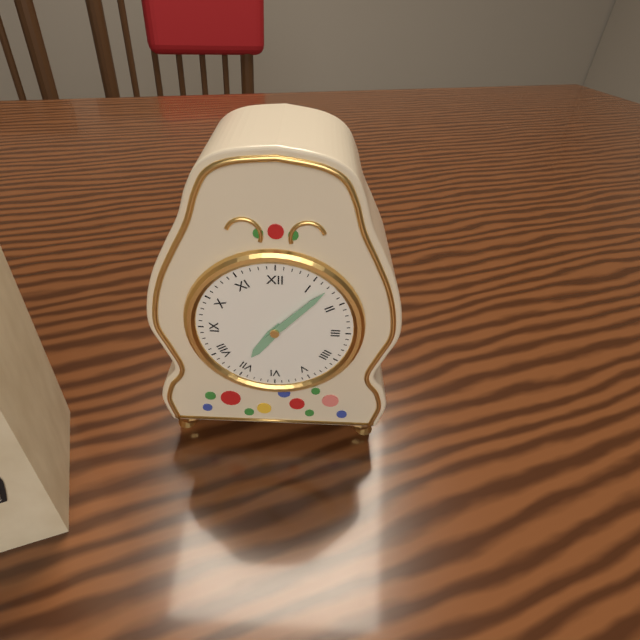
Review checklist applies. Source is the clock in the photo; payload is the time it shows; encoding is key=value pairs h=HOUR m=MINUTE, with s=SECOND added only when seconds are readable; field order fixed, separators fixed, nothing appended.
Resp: h=7 m=7
